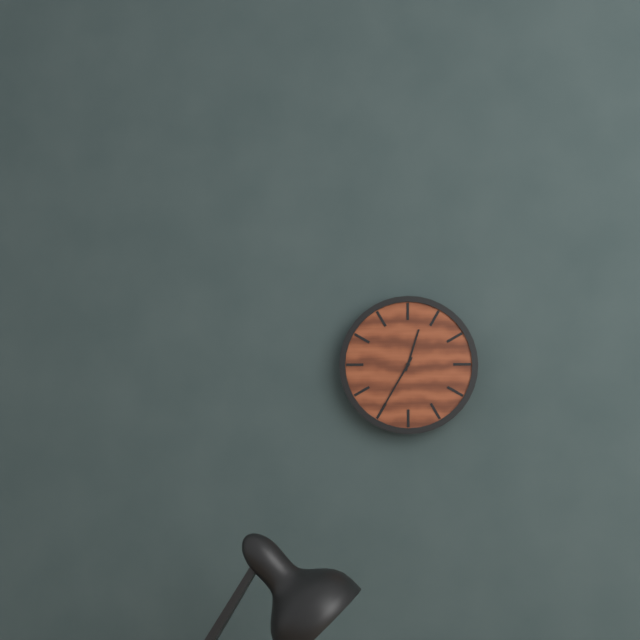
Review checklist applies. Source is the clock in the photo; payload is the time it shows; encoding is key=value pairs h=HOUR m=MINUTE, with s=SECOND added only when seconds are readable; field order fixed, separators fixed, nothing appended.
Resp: h=12 m=35
